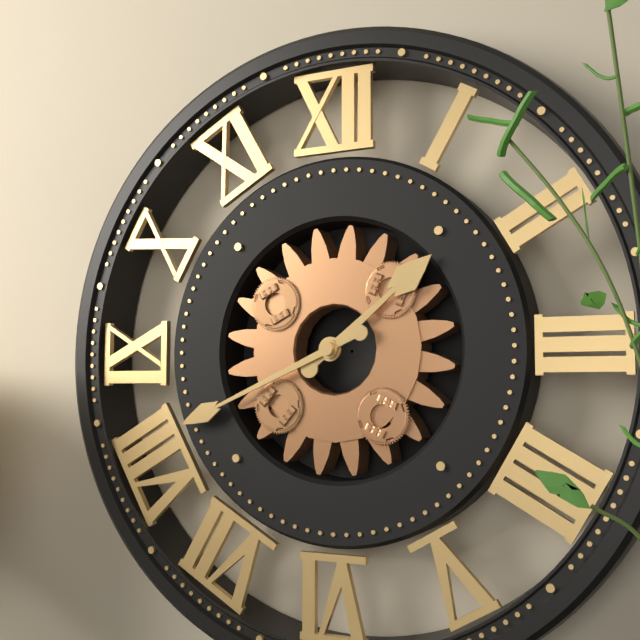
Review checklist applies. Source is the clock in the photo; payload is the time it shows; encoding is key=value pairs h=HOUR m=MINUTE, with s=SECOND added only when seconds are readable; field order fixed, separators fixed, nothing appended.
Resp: h=1 m=41
